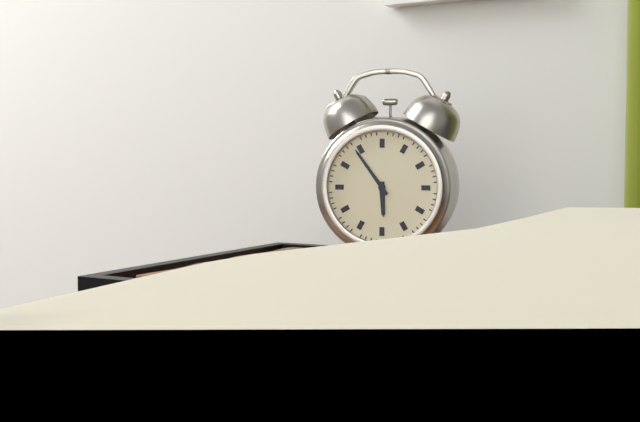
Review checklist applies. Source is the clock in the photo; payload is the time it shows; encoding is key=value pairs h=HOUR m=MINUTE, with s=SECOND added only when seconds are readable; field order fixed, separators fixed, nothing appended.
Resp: h=5 m=54
